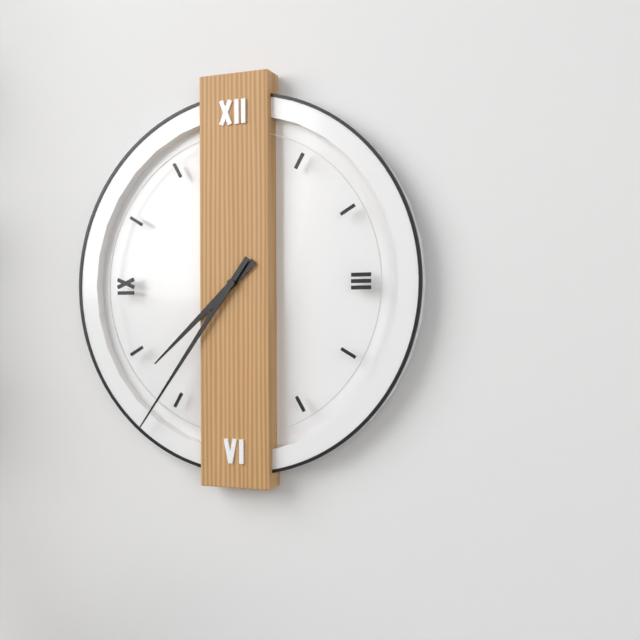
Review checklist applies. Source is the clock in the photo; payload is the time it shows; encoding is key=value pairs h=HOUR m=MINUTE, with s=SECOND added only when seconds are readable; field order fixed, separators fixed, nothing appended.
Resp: h=7 m=36
